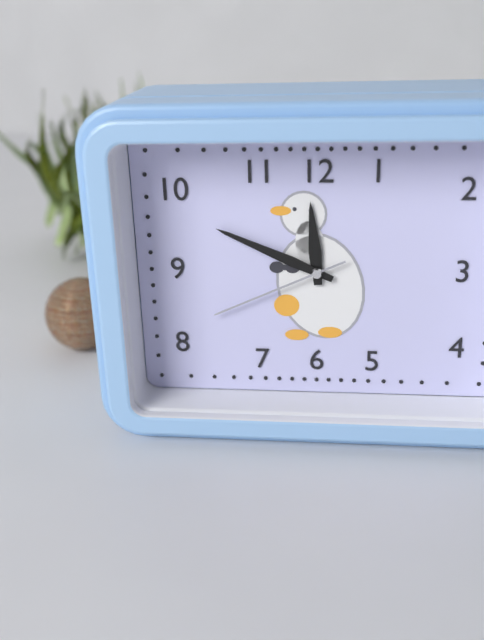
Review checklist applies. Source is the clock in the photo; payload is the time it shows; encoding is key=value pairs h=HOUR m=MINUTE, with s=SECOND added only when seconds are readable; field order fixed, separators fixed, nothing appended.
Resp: h=11 m=49 s=41
